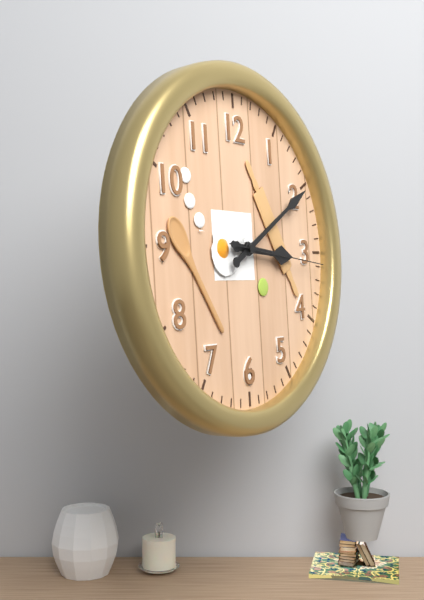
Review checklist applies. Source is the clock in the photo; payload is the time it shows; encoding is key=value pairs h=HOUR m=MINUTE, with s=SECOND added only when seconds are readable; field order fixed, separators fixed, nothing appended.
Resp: h=3 m=10 s=16
